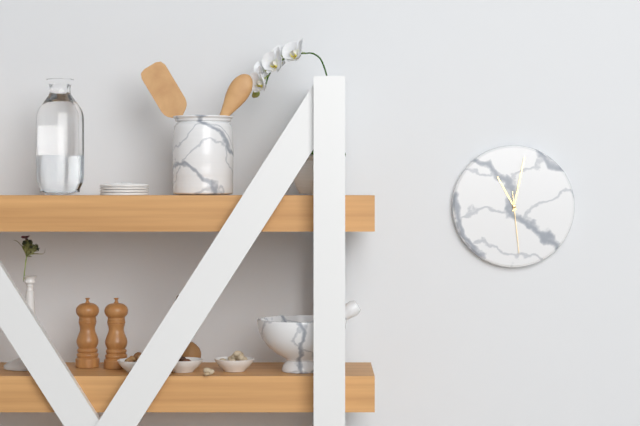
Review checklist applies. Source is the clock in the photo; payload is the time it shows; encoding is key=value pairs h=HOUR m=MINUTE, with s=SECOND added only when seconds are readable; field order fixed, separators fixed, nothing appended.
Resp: h=11 m=2 s=29
